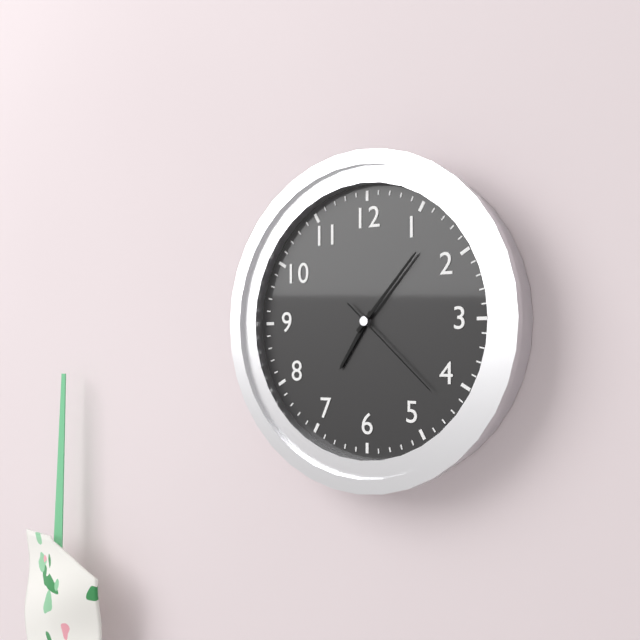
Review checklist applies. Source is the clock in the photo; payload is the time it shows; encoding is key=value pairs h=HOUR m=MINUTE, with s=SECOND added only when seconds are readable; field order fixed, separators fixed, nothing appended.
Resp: h=7 m=7 s=22
